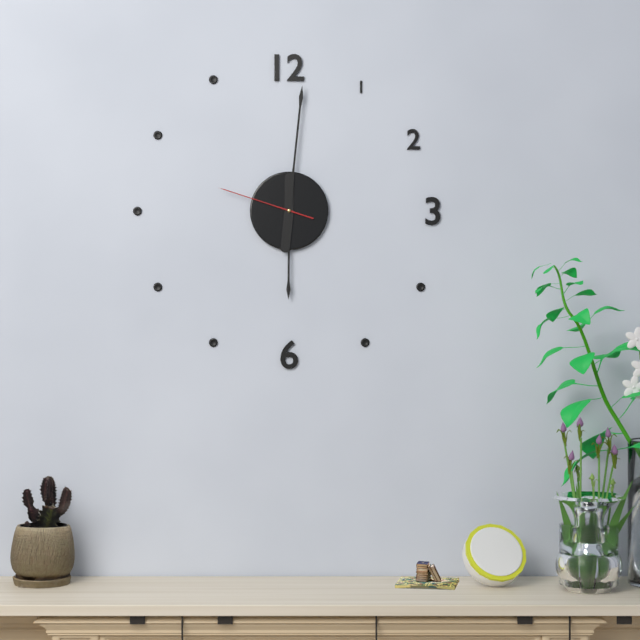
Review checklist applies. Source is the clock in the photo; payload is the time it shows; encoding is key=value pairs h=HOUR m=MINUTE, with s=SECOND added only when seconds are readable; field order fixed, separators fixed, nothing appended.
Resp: h=6 m=1 s=48
